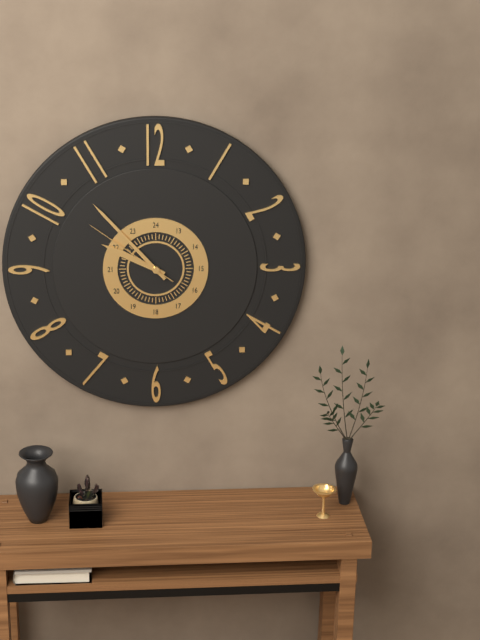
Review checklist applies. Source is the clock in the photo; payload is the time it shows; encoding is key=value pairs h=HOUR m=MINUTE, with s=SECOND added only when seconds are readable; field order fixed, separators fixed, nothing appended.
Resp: h=9 m=53 s=51
